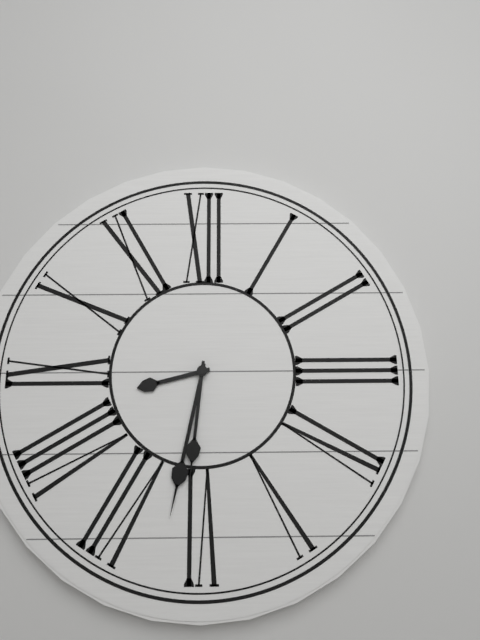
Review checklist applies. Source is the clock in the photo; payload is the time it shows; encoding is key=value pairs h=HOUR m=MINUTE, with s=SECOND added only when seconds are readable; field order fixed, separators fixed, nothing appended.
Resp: h=8 m=32 s=31
